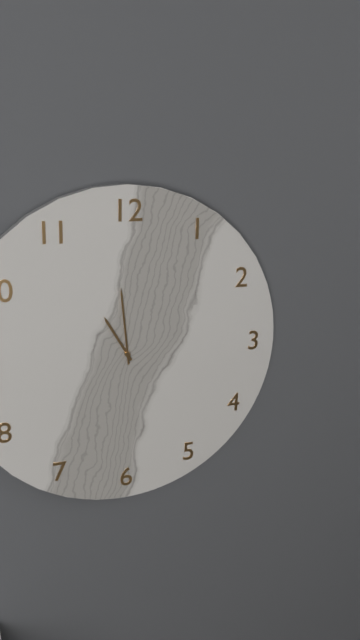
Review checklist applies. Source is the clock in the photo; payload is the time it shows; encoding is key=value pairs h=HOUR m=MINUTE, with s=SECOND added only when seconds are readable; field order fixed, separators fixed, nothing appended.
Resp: h=10 m=59
